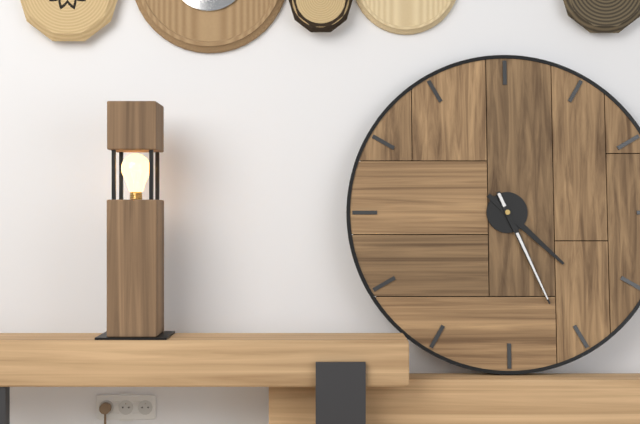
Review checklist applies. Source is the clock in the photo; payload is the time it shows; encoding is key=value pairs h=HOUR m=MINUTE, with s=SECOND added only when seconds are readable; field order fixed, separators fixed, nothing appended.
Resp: h=4 m=26
